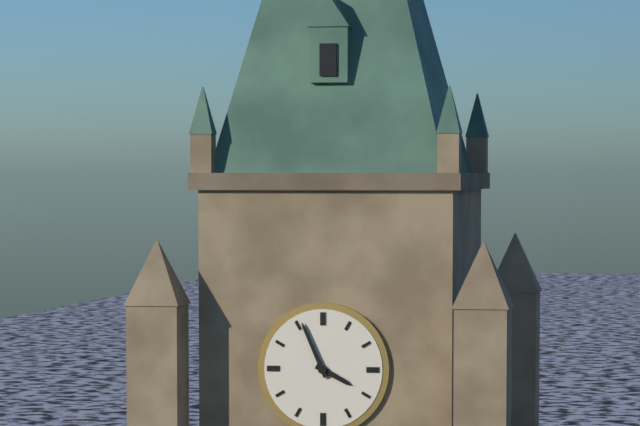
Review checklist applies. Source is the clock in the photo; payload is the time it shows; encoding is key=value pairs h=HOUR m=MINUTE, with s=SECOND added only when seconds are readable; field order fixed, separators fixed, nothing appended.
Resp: h=3 m=56
